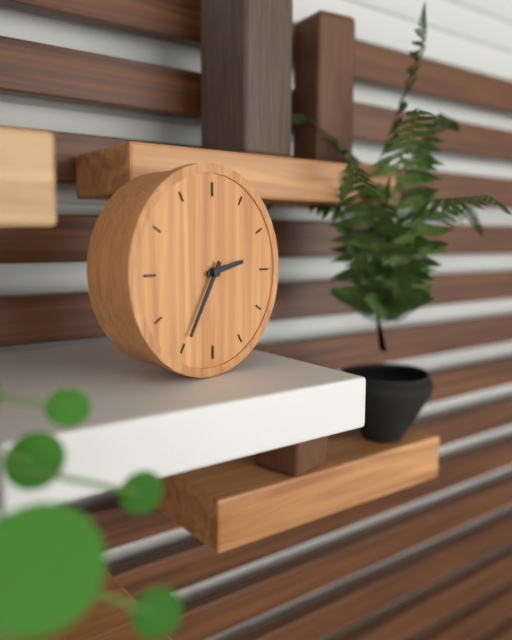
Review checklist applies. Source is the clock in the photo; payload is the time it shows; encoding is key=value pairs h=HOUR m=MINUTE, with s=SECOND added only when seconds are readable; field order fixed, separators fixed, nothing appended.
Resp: h=2 m=35
